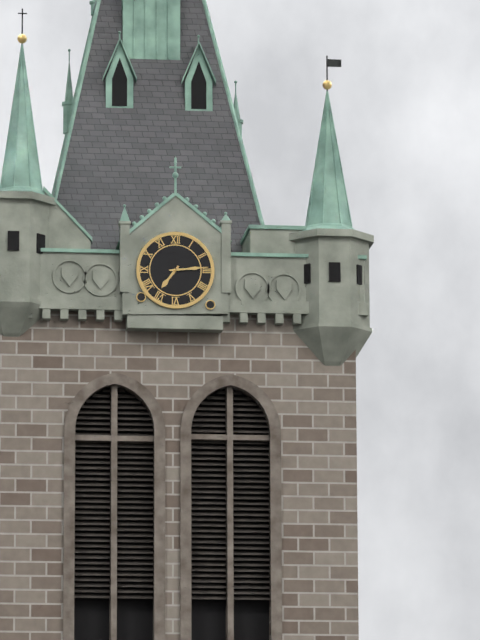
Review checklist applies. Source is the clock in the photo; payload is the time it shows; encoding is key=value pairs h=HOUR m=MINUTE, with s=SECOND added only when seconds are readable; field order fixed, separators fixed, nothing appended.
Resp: h=7 m=14
